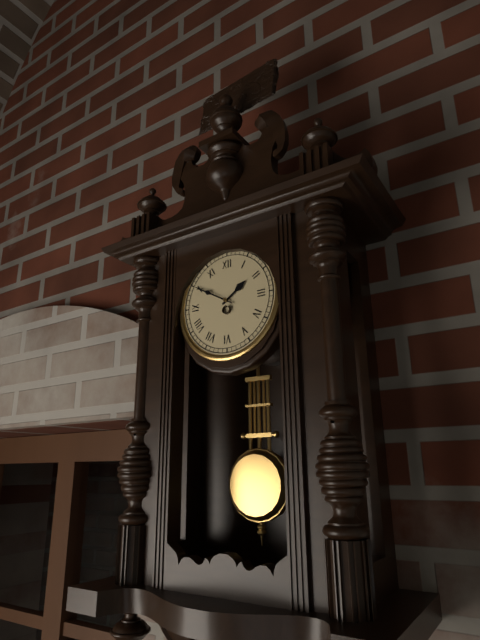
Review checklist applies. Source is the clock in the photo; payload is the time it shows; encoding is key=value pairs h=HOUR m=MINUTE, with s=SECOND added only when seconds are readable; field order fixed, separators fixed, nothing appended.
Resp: h=1 m=50
